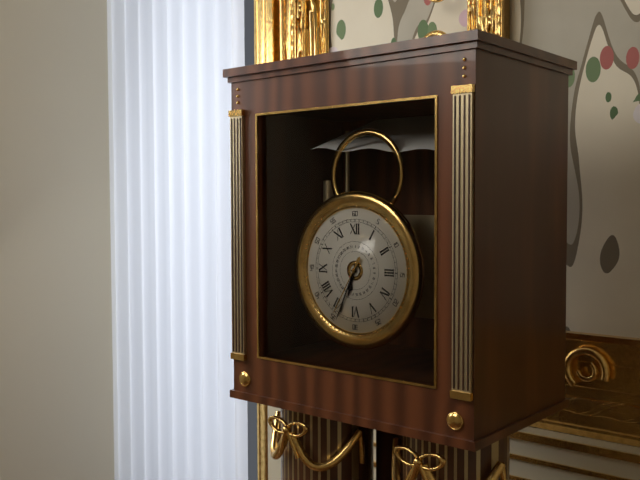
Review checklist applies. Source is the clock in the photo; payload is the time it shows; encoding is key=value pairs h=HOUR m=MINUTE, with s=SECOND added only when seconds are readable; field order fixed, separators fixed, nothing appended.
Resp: h=6 m=34 s=35
